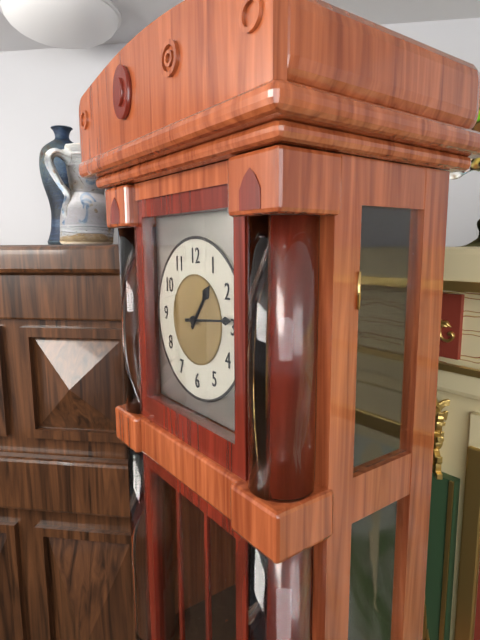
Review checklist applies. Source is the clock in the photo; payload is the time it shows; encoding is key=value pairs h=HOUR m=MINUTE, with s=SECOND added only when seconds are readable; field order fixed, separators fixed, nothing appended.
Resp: h=1 m=14
